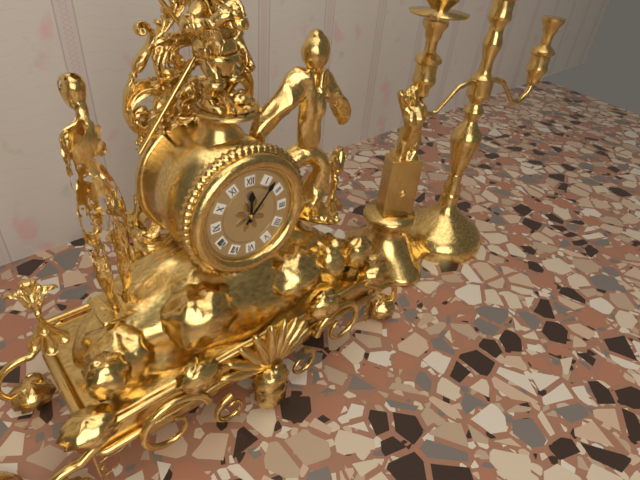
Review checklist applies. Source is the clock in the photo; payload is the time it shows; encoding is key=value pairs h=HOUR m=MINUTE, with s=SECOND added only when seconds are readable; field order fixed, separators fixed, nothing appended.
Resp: h=12 m=7
